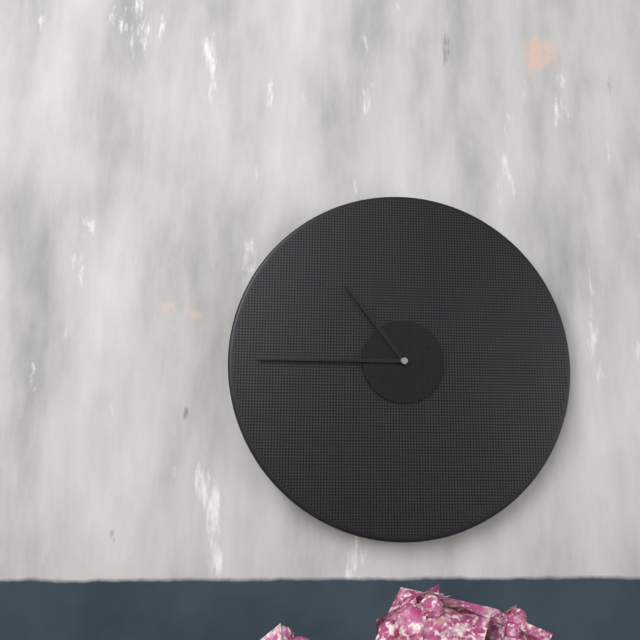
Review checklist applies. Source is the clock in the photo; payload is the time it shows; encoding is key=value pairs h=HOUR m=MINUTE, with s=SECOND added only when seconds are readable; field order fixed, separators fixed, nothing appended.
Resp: h=10 m=45
